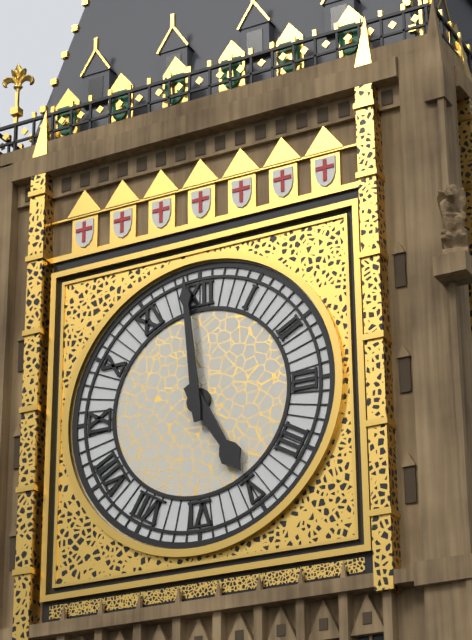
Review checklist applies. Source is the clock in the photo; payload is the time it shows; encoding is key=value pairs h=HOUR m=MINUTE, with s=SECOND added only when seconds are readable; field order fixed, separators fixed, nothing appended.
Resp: h=4 m=59
